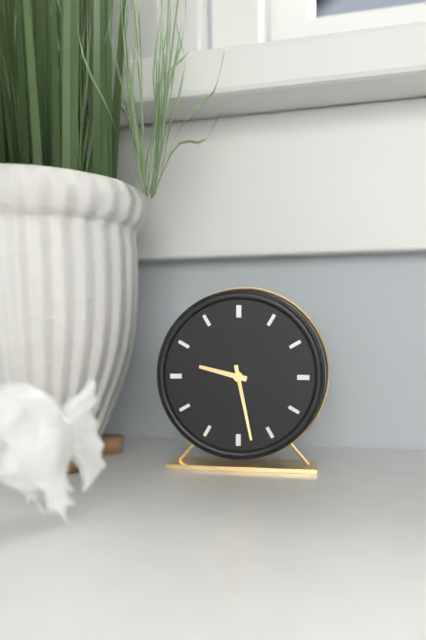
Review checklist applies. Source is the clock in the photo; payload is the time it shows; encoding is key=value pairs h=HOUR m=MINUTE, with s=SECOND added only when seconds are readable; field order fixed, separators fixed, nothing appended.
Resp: h=9 m=28
